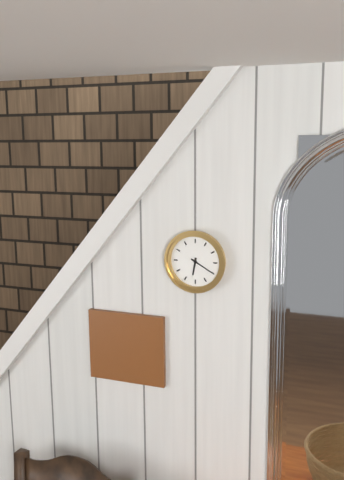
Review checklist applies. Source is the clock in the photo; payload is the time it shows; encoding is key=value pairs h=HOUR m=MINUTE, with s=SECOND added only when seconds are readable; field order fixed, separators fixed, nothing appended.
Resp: h=6 m=20
